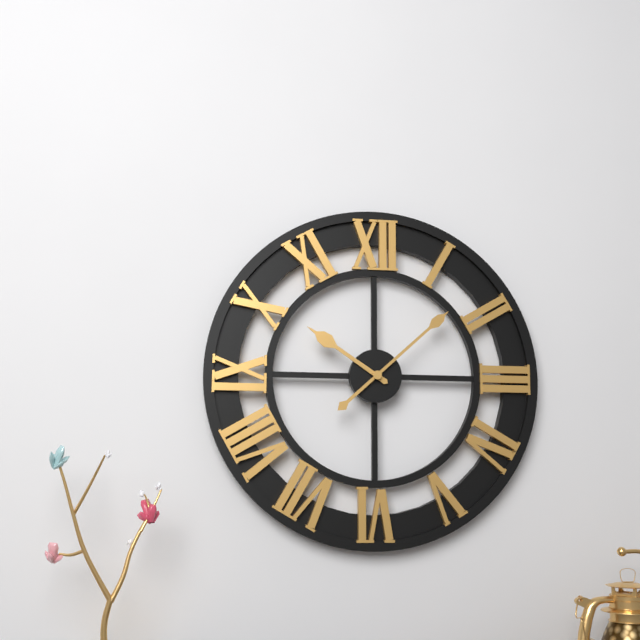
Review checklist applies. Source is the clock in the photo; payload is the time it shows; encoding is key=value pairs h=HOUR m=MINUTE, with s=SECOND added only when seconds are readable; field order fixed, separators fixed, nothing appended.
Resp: h=10 m=8
